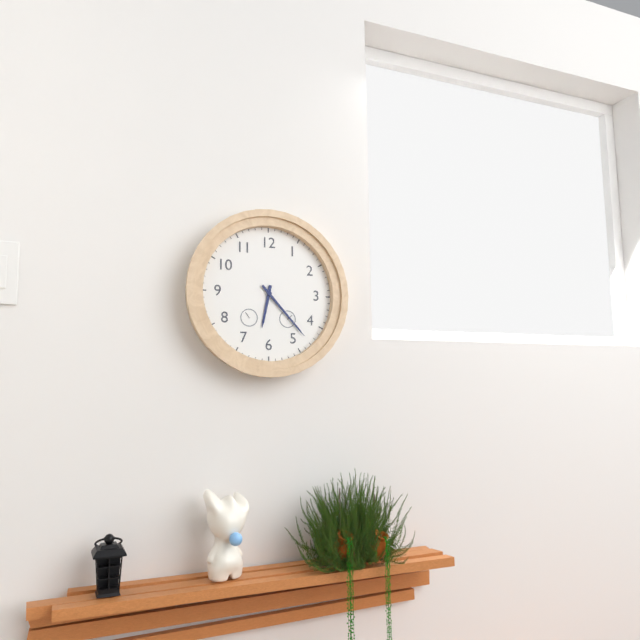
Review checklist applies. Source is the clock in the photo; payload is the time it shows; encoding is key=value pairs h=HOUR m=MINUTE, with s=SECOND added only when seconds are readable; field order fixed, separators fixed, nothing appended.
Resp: h=6 m=23
